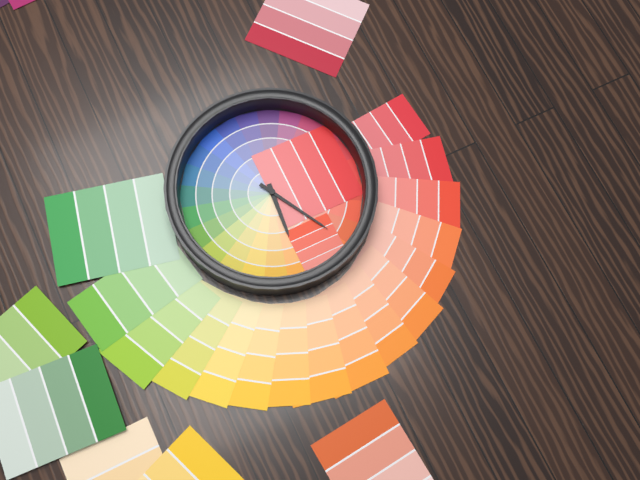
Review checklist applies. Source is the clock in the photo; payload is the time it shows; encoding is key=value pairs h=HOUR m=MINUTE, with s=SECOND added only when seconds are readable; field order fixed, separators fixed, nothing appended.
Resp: h=3 m=10
